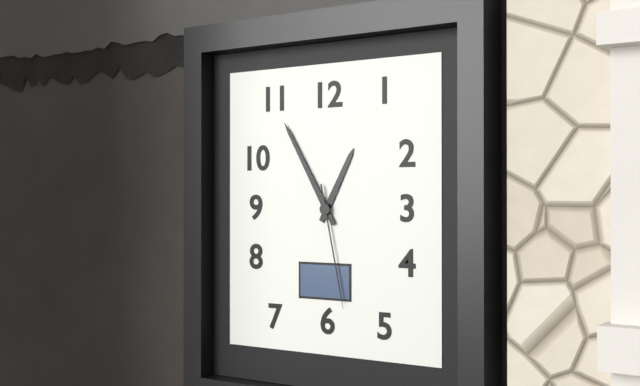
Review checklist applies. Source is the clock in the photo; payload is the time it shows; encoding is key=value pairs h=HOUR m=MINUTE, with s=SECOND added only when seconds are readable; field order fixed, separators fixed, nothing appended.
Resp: h=12 m=55 s=28
